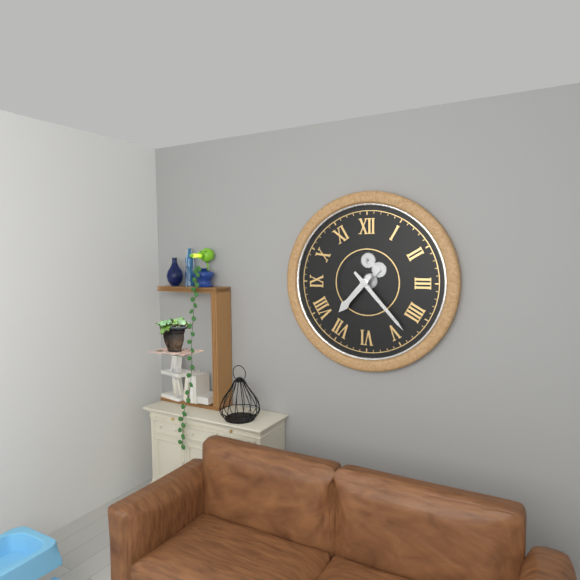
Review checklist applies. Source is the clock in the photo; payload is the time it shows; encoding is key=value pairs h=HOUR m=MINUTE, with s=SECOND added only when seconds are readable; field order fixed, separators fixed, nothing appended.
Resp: h=7 m=23
